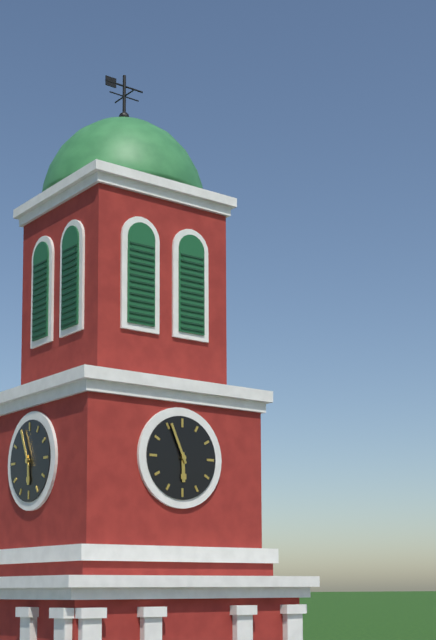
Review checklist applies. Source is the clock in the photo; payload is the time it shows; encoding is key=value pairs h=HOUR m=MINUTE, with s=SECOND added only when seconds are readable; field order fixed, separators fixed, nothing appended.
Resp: h=5 m=56
